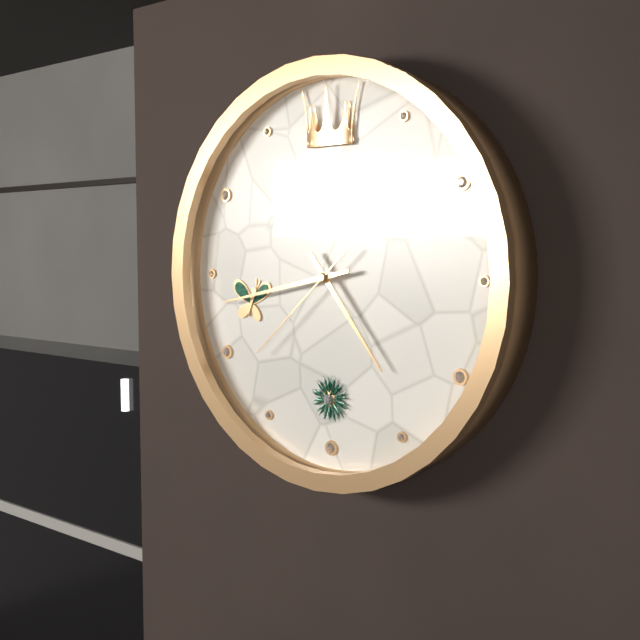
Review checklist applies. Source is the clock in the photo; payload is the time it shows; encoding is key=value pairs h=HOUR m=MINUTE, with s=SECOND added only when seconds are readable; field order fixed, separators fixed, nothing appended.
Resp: h=4 m=43 s=38
